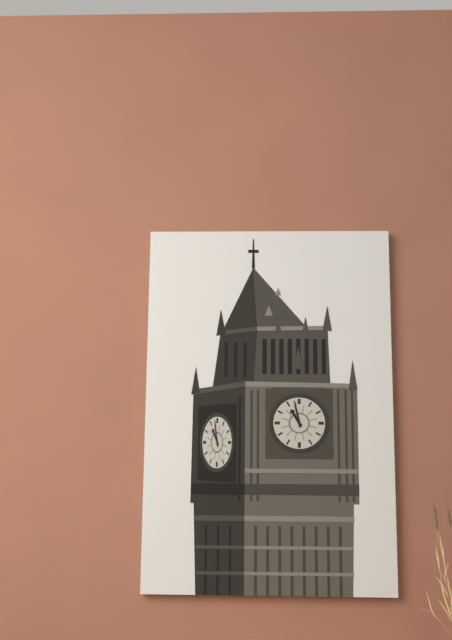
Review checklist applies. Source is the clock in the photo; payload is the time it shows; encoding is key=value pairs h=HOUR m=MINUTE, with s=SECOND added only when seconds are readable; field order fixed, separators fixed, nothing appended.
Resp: h=10 m=58
